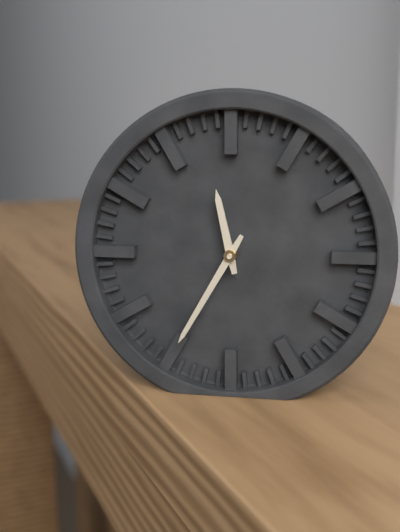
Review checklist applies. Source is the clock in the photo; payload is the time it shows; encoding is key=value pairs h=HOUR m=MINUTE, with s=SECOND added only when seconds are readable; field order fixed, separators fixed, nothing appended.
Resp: h=11 m=35
